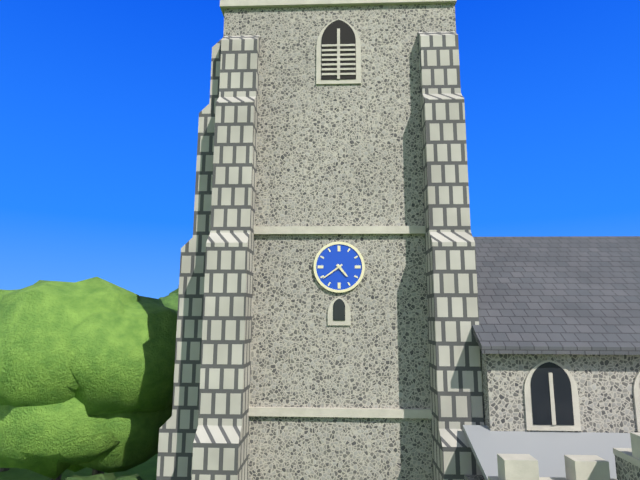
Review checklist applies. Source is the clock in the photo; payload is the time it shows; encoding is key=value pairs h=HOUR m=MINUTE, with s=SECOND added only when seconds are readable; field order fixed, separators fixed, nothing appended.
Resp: h=4 m=39
